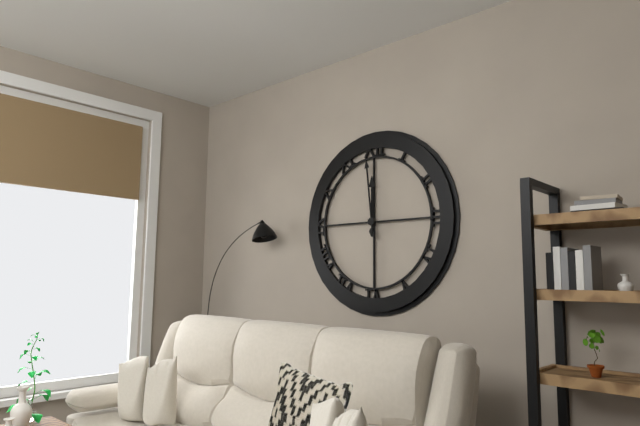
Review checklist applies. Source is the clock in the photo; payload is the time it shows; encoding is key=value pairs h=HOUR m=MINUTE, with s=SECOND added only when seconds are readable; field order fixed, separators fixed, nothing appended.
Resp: h=11 m=59
